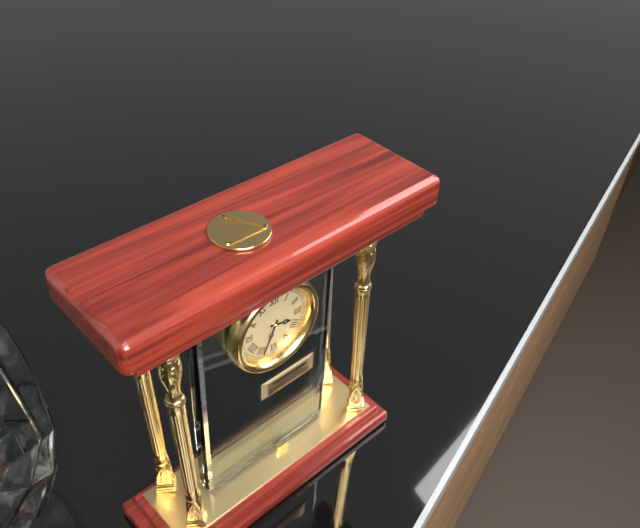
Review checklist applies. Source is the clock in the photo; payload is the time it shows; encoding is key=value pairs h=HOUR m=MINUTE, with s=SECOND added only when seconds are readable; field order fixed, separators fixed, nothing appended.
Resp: h=3 m=34
